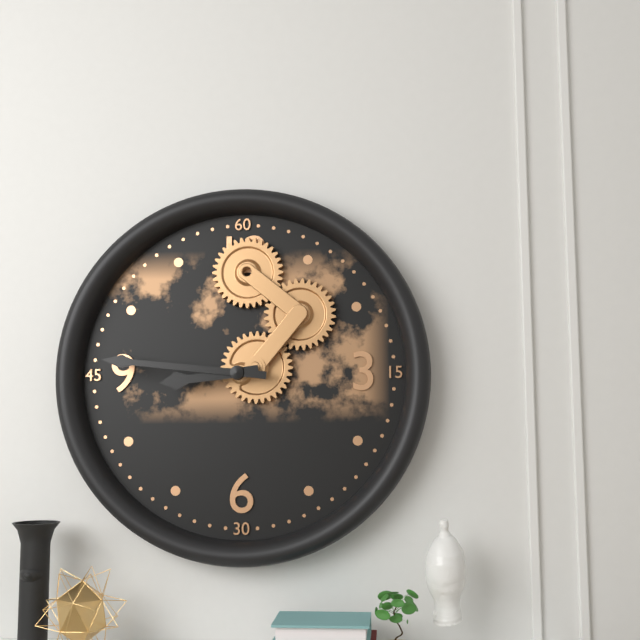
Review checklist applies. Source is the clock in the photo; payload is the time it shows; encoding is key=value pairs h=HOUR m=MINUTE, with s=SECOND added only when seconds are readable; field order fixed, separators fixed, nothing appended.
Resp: h=8 m=46
